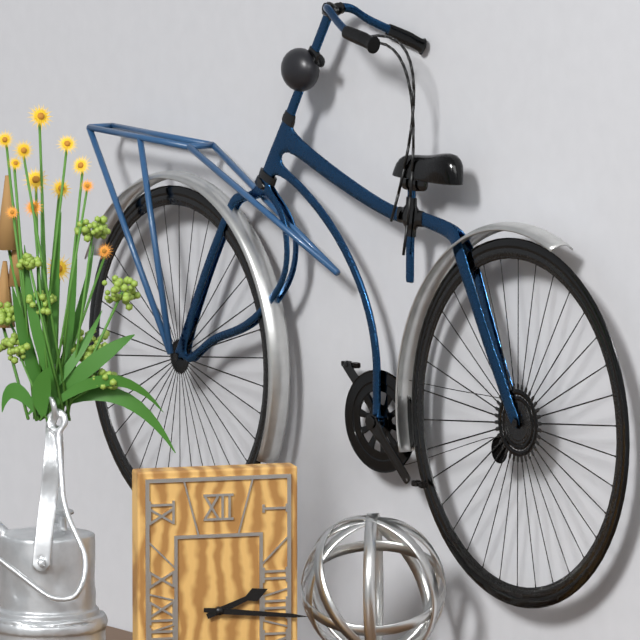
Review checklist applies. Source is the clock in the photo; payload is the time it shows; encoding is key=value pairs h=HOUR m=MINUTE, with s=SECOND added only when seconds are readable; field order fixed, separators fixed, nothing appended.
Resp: h=2 m=16
